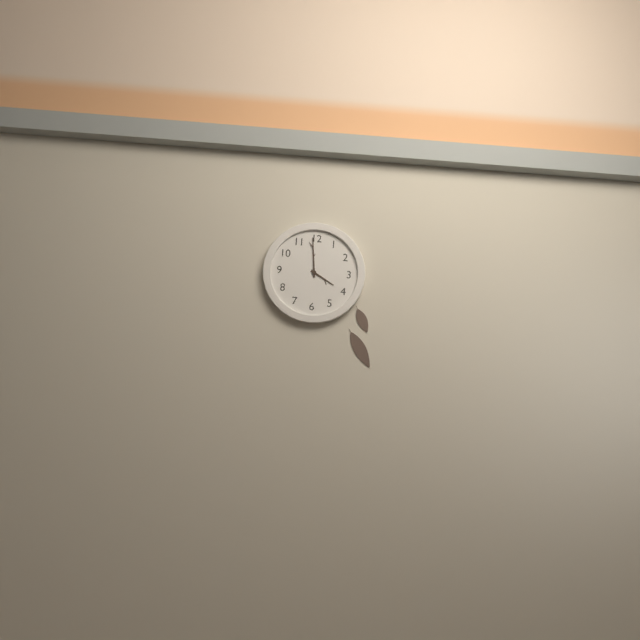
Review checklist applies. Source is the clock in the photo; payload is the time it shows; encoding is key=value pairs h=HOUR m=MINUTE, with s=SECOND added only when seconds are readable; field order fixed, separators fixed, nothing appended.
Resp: h=3 m=59
